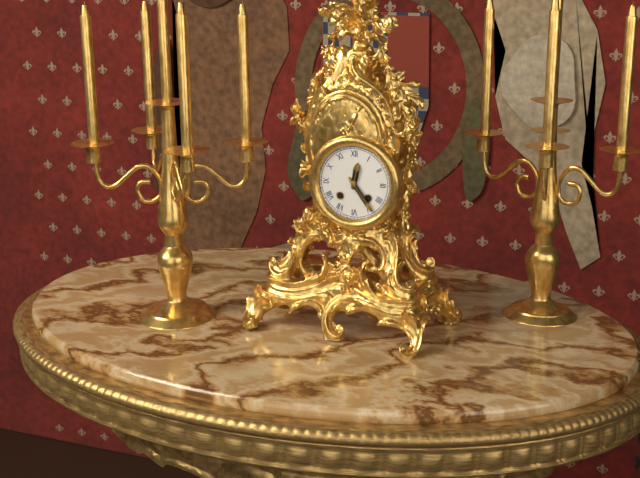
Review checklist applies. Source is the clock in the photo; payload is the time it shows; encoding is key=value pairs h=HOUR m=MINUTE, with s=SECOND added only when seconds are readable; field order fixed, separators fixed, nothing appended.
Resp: h=12 m=24
